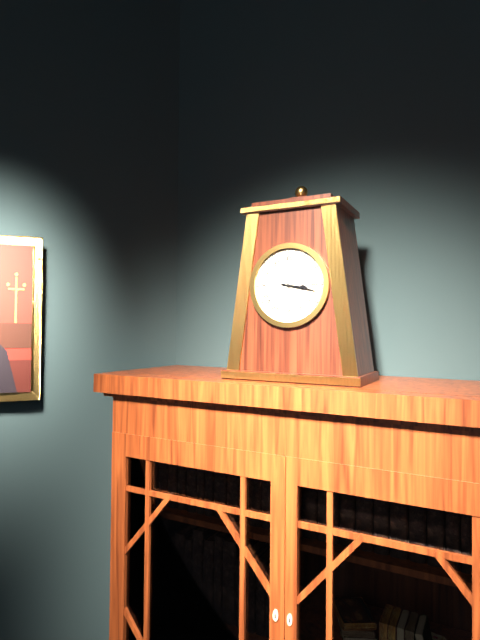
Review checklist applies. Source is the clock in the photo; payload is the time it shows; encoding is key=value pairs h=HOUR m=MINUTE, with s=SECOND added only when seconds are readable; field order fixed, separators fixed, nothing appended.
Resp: h=3 m=17
